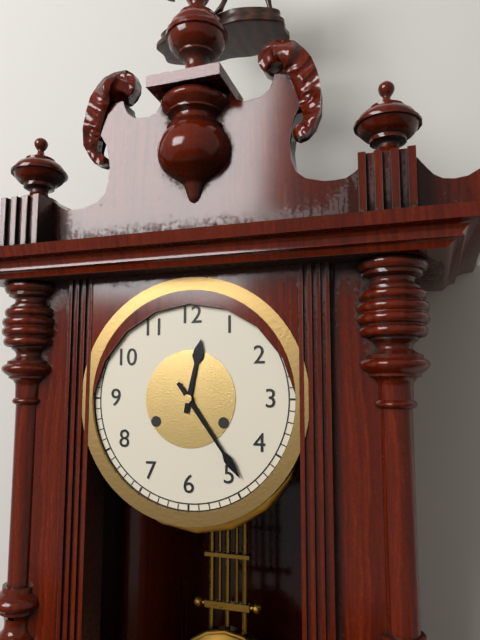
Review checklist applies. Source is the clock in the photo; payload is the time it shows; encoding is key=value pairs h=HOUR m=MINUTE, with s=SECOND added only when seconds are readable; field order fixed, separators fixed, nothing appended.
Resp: h=12 m=24
